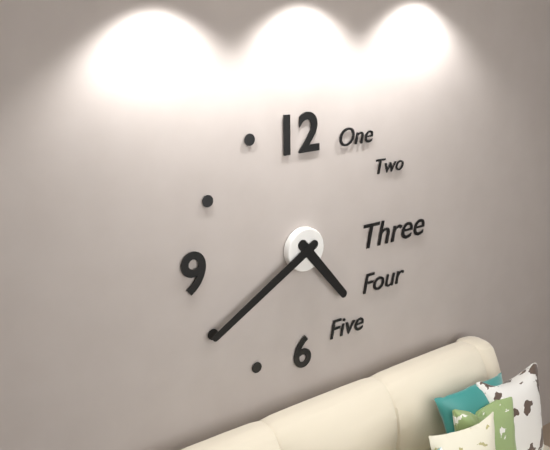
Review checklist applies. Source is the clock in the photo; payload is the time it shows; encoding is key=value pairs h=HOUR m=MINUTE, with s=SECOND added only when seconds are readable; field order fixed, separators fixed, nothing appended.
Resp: h=4 m=40
